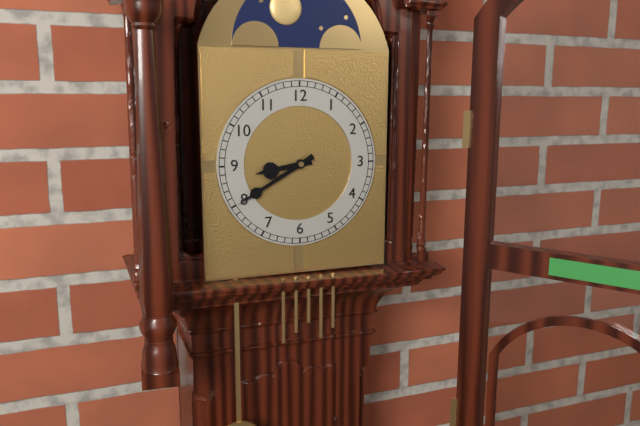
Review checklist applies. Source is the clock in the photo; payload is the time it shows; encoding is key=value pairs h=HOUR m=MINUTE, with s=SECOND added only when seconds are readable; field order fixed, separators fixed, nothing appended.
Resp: h=8 m=40
